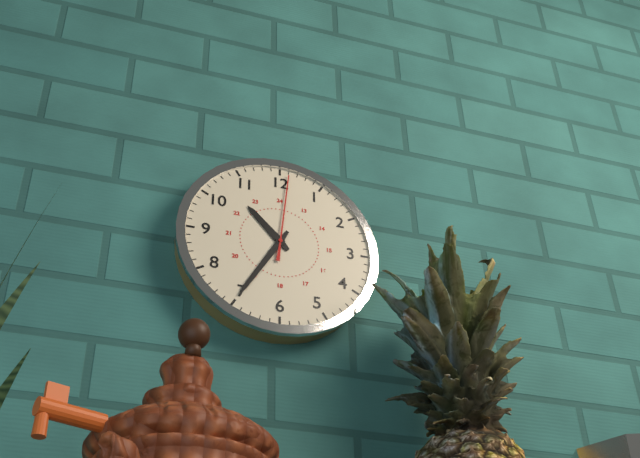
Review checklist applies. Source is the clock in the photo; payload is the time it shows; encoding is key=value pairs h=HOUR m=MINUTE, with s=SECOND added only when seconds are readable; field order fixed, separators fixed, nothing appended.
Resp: h=10 m=35 s=1
